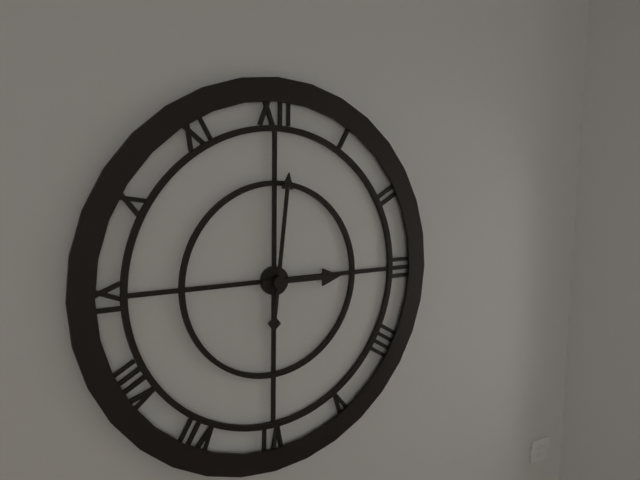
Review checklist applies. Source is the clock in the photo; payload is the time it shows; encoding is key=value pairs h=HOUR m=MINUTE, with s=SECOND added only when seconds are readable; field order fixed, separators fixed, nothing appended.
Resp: h=3 m=1
